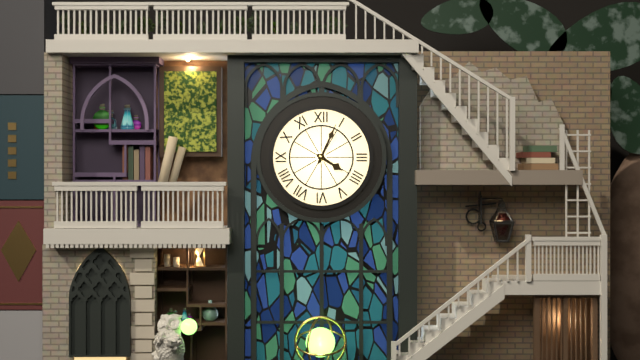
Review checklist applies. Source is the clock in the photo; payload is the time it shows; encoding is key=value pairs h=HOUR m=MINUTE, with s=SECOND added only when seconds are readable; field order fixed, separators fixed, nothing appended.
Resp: h=4 m=4
